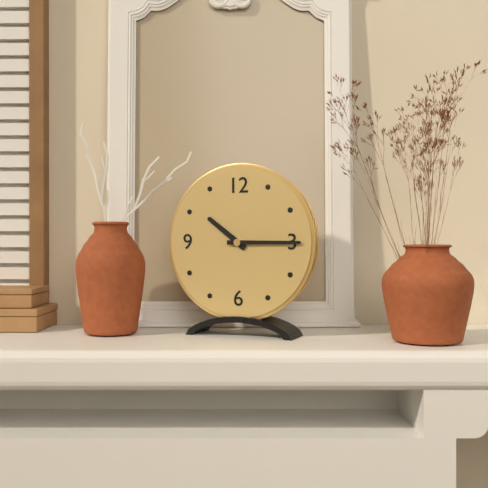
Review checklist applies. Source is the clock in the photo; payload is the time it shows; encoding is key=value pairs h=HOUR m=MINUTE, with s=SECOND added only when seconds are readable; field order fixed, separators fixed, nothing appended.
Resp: h=10 m=15
